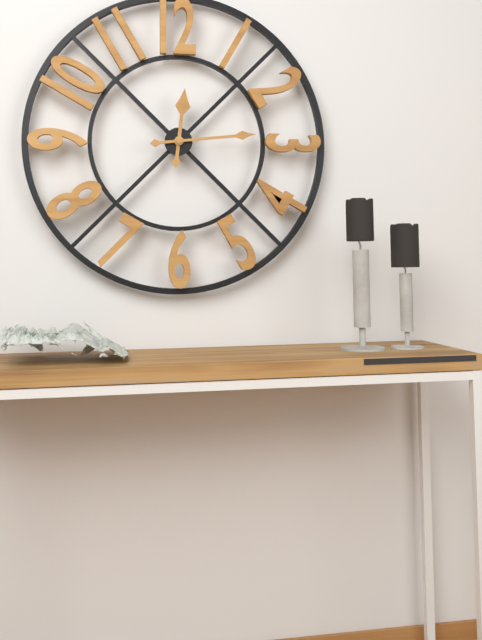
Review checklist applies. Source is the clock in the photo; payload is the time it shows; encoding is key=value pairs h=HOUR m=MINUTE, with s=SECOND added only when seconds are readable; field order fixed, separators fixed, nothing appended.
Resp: h=12 m=14
